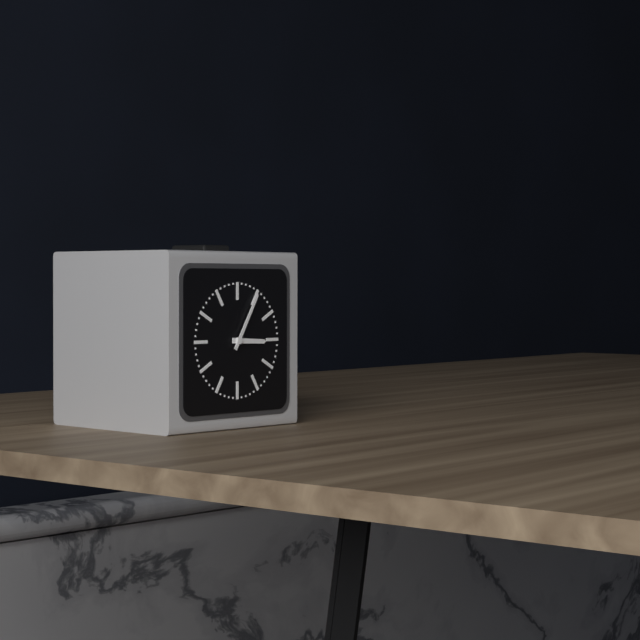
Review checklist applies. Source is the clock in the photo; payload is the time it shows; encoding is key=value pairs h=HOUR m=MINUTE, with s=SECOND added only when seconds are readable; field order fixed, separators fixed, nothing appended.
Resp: h=3 m=5
